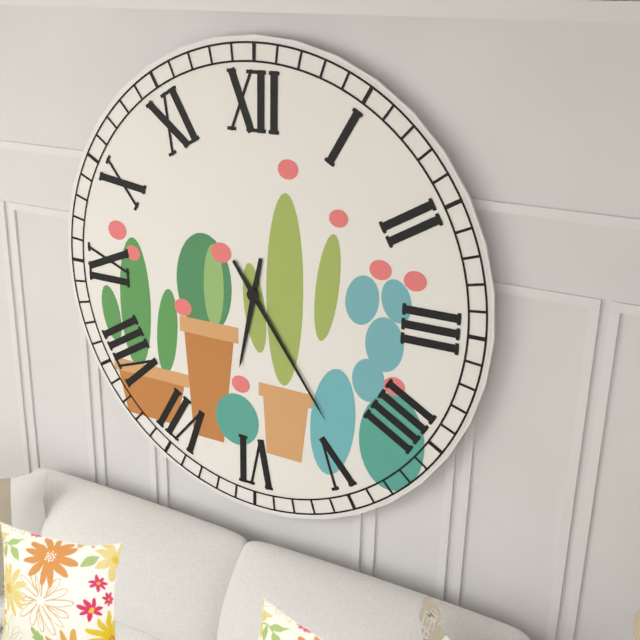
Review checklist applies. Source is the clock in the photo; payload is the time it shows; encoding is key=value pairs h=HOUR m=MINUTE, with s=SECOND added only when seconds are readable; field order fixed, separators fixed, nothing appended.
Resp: h=6 m=24
